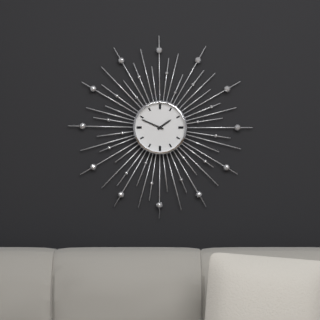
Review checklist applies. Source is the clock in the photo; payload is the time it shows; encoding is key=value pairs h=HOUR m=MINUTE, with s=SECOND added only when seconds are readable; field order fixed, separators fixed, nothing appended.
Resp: h=1 m=49
